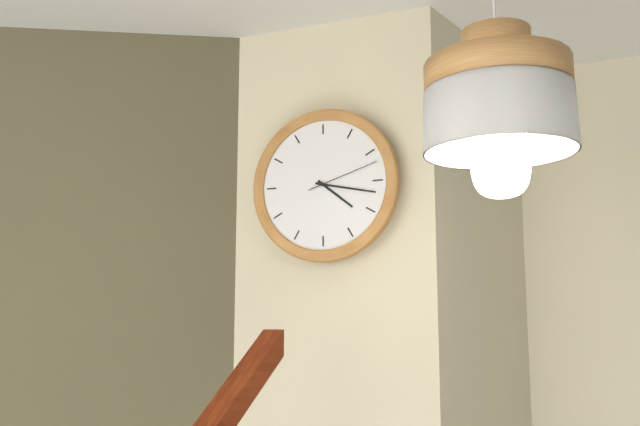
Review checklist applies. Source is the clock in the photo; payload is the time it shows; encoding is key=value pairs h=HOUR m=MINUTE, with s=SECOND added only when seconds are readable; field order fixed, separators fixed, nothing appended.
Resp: h=4 m=17 s=12
